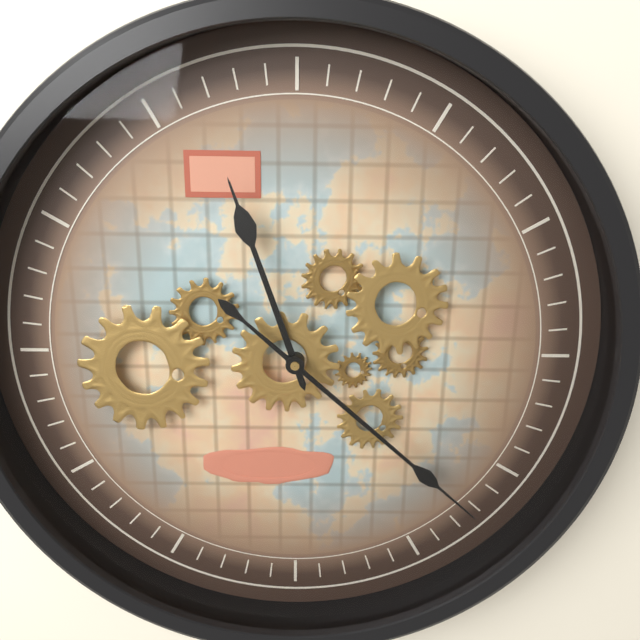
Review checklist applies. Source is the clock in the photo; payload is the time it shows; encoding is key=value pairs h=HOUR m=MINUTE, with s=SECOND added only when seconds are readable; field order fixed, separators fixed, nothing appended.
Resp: h=11 m=22
